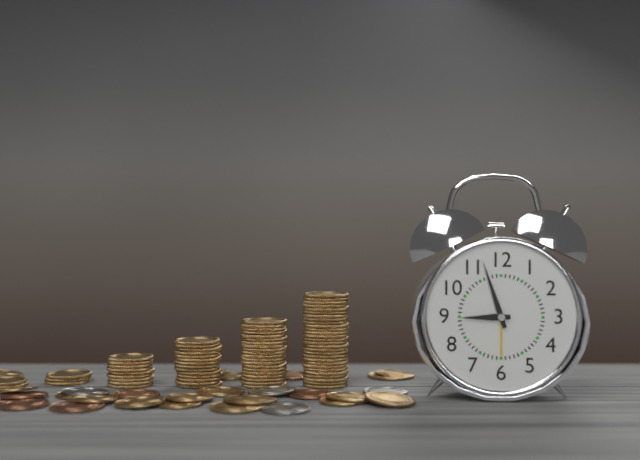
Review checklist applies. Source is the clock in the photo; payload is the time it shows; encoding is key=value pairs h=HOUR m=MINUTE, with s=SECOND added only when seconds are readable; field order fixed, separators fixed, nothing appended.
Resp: h=8 m=57
